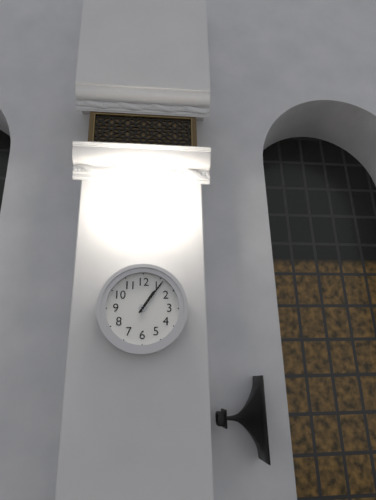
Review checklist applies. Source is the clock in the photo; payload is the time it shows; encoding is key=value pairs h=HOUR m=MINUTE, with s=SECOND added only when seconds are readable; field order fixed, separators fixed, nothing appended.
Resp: h=1 m=6
